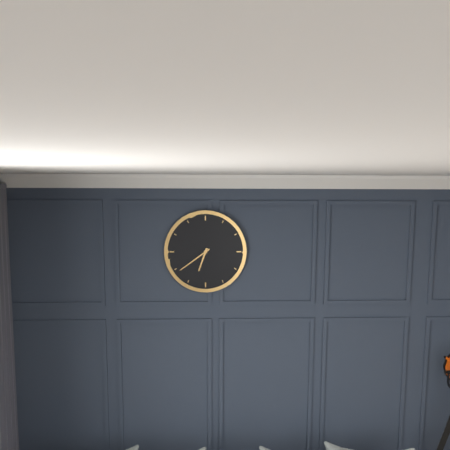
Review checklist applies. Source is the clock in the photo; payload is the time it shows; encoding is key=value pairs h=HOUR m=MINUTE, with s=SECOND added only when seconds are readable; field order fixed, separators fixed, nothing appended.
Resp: h=6 m=39
